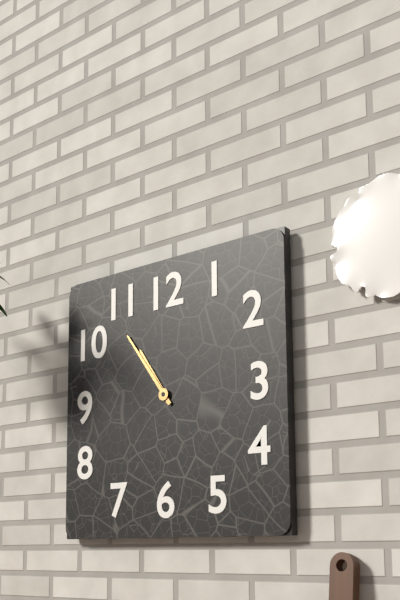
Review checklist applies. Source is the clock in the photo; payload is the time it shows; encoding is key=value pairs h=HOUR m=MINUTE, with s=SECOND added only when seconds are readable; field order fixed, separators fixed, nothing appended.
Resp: h=10 m=54
